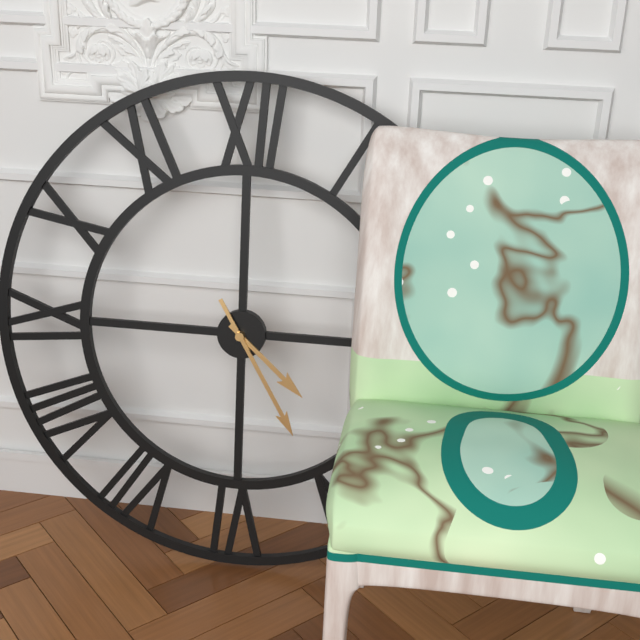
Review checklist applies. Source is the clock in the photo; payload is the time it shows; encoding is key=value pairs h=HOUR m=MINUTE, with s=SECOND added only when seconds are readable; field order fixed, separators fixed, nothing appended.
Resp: h=4 m=25
